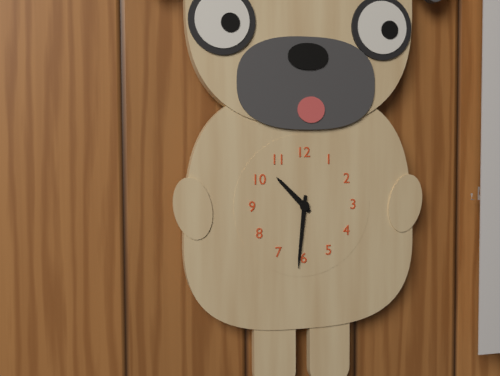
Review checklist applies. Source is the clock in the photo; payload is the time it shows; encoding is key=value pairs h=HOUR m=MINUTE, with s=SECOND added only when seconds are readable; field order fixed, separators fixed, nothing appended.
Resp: h=10 m=31
